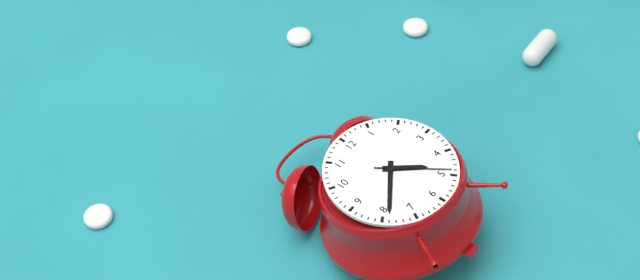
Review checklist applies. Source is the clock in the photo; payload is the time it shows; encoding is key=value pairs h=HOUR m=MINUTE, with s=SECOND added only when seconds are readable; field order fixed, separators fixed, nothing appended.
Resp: h=4 m=39 s=24
